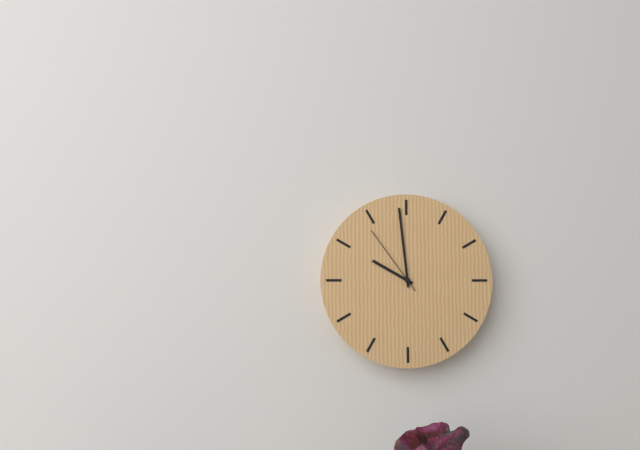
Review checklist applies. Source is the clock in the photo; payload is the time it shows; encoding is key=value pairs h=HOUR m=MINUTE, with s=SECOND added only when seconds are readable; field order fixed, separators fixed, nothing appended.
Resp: h=9 m=59 s=54
